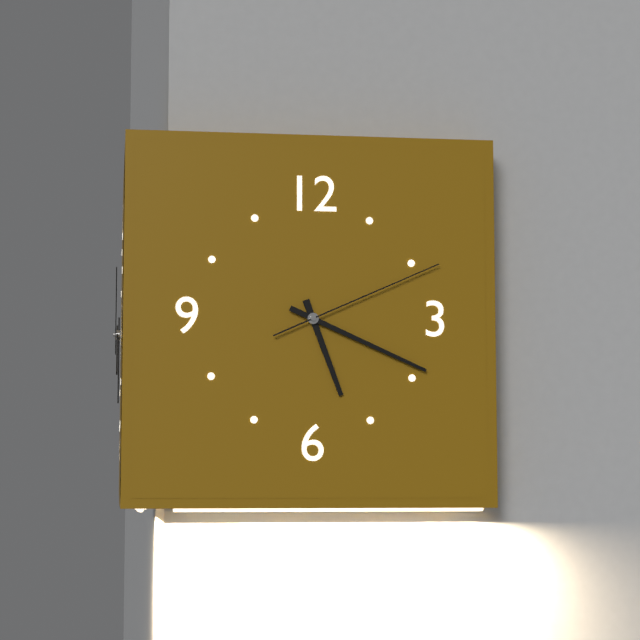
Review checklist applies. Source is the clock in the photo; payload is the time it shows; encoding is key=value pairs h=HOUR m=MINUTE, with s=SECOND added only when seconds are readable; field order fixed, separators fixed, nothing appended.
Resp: h=5 m=19 s=11
